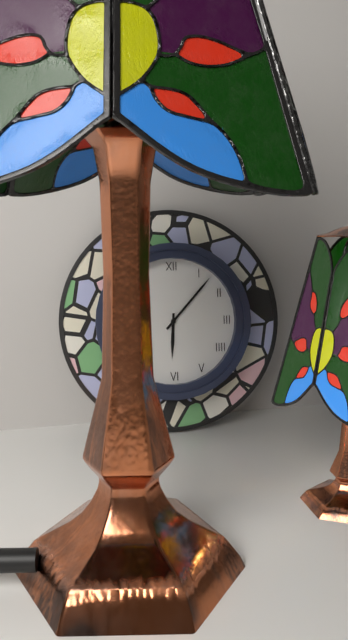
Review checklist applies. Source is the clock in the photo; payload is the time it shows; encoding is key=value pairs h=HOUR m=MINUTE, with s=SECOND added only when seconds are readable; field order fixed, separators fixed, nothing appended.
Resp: h=6 m=7
